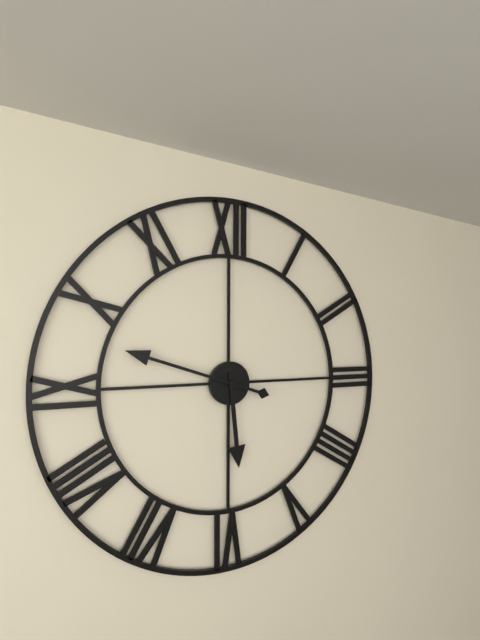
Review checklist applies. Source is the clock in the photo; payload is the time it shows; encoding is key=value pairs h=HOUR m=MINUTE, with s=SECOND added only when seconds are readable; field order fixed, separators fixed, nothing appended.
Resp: h=5 m=48
